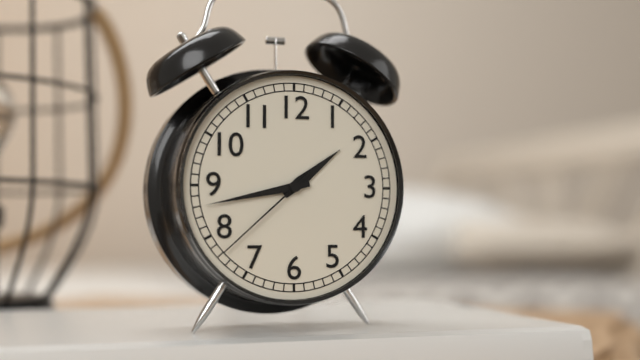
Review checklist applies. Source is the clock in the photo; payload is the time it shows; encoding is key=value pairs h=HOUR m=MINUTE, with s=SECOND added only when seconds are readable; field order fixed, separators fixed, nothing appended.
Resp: h=1 m=43 s=38
